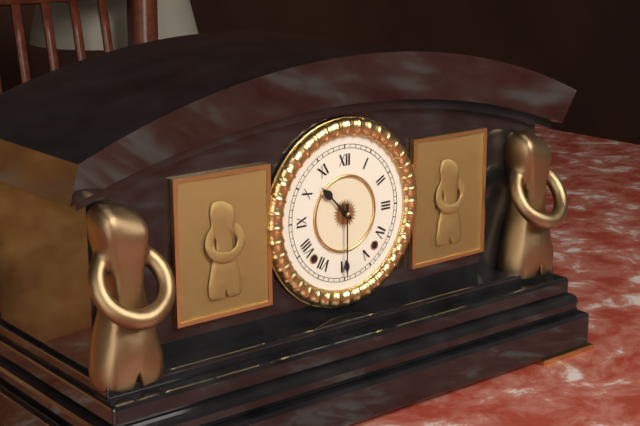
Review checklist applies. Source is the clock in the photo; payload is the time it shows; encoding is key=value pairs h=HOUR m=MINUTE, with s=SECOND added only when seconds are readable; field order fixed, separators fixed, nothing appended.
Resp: h=10 m=30
